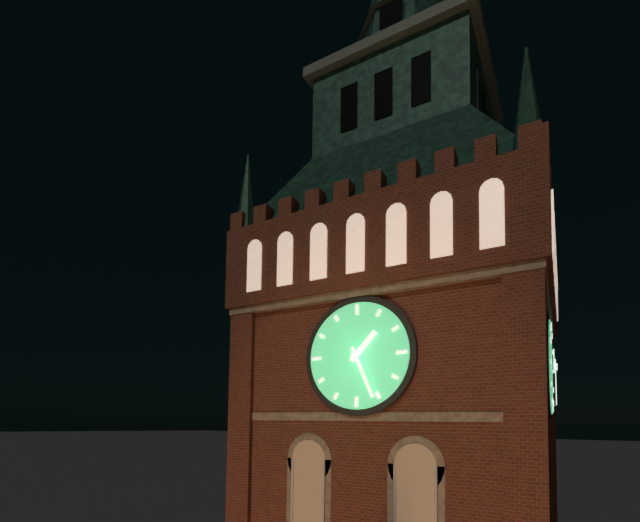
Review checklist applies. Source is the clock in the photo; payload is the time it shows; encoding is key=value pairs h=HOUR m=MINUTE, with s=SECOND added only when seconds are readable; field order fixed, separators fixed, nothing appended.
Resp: h=1 m=26
